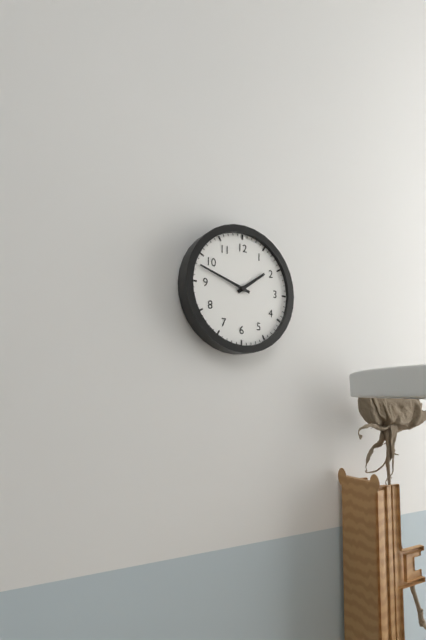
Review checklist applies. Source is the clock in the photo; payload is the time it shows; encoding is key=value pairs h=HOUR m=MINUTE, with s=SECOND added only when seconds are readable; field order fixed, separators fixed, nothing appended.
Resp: h=1 m=48
